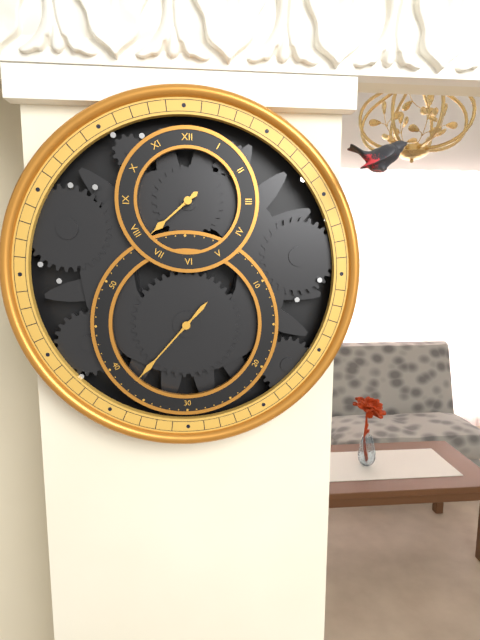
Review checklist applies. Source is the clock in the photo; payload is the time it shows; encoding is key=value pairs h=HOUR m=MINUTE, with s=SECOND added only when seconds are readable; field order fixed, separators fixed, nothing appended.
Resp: h=7 m=37
